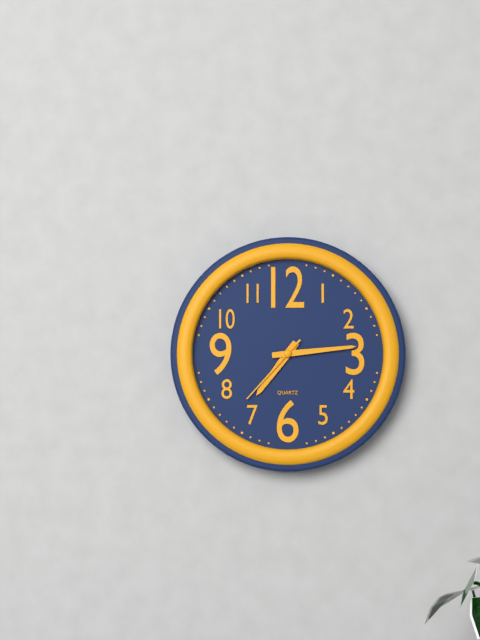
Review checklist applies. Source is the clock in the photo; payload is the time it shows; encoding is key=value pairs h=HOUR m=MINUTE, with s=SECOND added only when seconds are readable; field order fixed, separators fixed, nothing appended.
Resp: h=7 m=14 s=37
